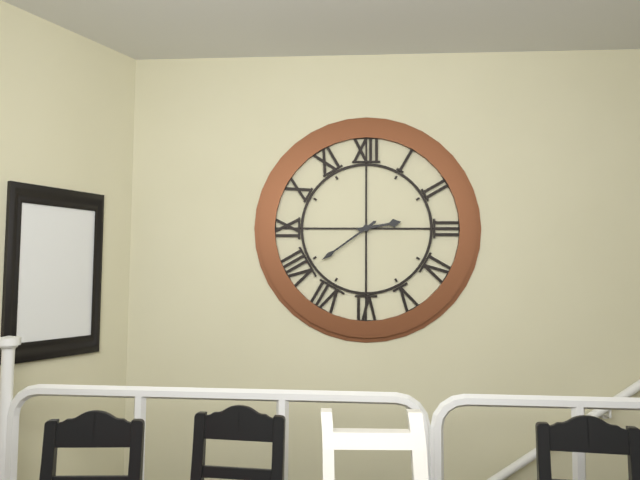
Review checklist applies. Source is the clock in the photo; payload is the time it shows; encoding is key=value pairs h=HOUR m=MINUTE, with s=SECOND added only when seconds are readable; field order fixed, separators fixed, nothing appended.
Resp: h=2 m=39
